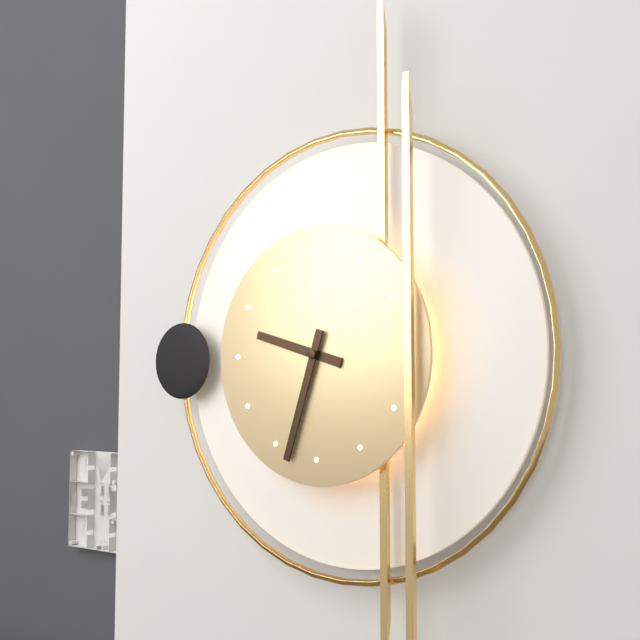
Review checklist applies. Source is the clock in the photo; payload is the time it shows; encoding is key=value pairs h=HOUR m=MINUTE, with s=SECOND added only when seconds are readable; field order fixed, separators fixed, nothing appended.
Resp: h=9 m=33
